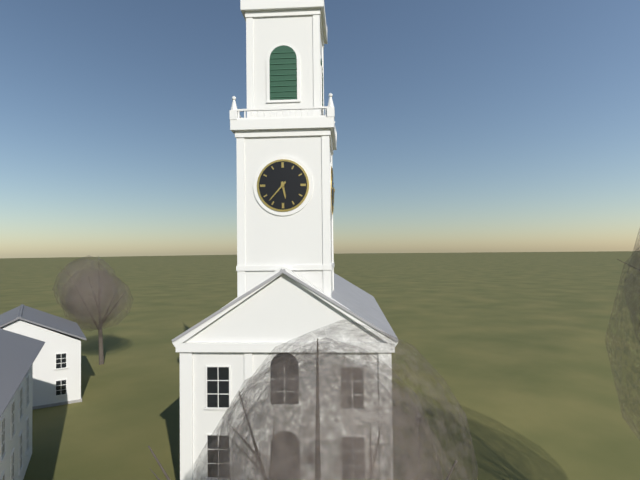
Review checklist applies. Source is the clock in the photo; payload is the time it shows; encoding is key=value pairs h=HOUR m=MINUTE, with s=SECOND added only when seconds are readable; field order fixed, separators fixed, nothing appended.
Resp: h=5 m=37
